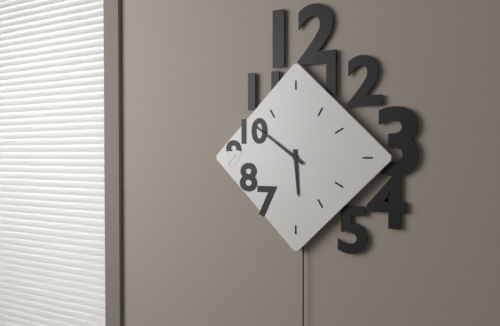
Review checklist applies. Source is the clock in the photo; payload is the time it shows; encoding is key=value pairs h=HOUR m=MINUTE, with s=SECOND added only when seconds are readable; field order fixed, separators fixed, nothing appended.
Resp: h=5 m=51
